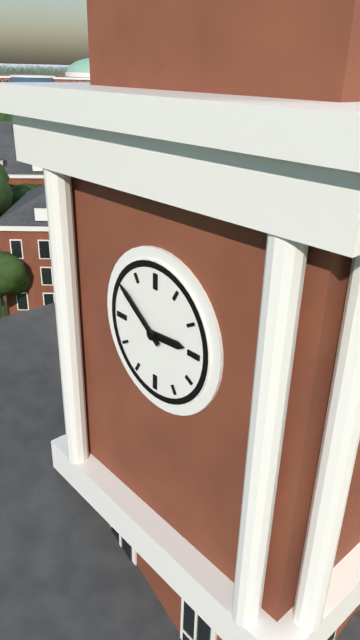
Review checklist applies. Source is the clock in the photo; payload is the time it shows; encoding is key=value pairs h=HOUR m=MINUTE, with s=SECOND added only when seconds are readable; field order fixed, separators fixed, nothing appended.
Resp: h=2 m=51
